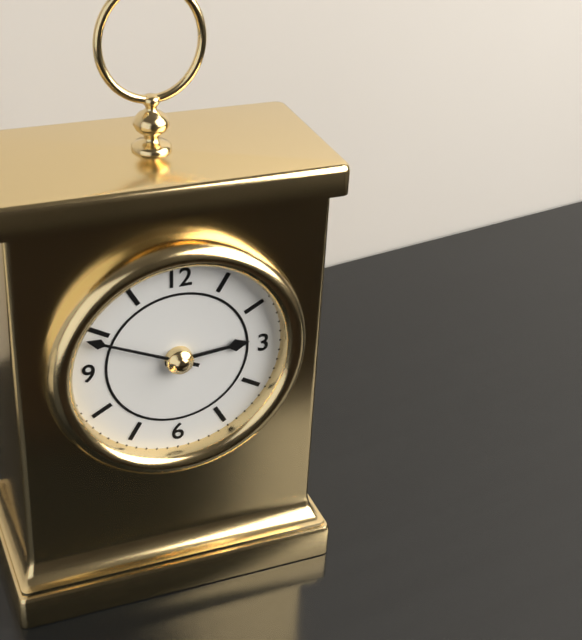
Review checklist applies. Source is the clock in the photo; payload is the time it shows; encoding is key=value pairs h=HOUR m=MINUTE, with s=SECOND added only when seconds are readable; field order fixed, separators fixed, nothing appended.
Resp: h=2 m=49
